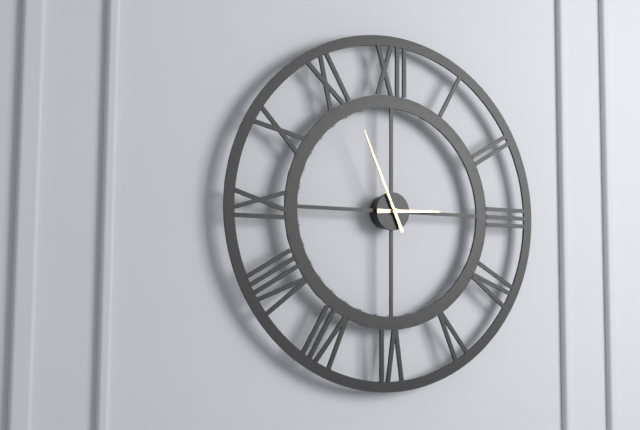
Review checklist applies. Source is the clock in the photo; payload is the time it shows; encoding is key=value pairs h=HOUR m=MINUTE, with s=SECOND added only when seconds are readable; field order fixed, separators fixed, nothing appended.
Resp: h=2 m=56
